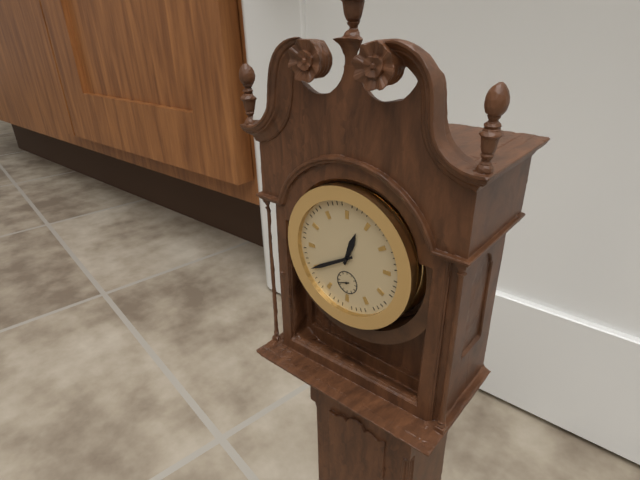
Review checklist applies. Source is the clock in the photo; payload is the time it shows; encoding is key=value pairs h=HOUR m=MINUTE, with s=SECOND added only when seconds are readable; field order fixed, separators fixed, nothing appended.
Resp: h=12 m=40
